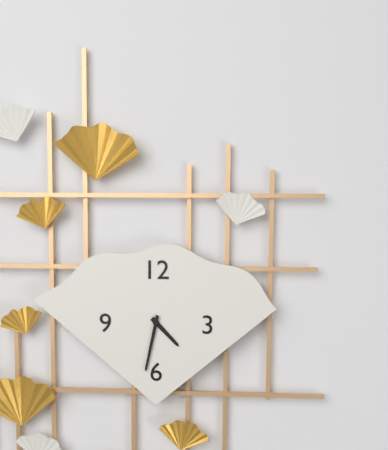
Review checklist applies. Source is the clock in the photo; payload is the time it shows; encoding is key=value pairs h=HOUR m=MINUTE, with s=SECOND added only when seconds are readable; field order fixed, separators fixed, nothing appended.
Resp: h=4 m=32
